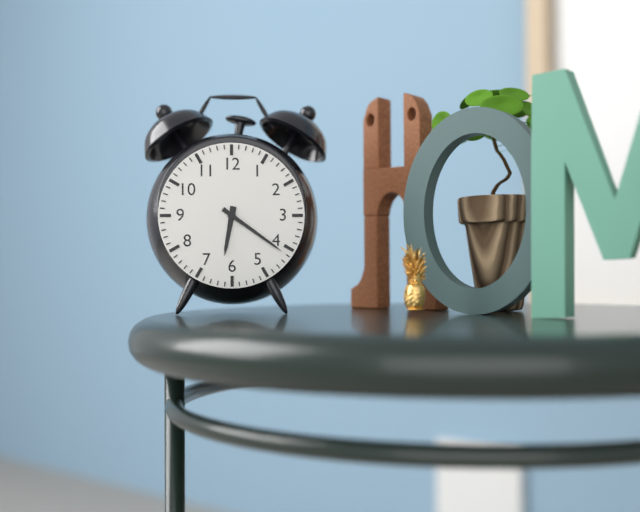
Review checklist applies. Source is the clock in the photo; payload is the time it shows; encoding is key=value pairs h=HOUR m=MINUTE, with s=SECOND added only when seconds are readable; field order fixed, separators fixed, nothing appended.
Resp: h=6 m=21
